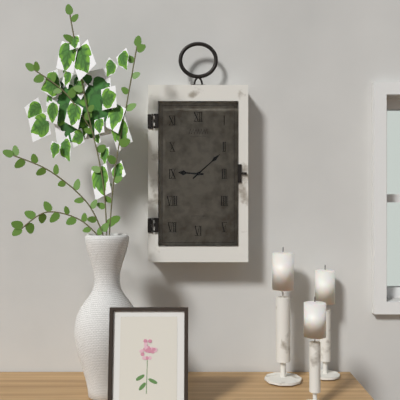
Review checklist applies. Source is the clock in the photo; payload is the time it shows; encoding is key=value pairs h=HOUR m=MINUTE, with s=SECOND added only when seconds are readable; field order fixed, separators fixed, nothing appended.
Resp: h=9 m=8
